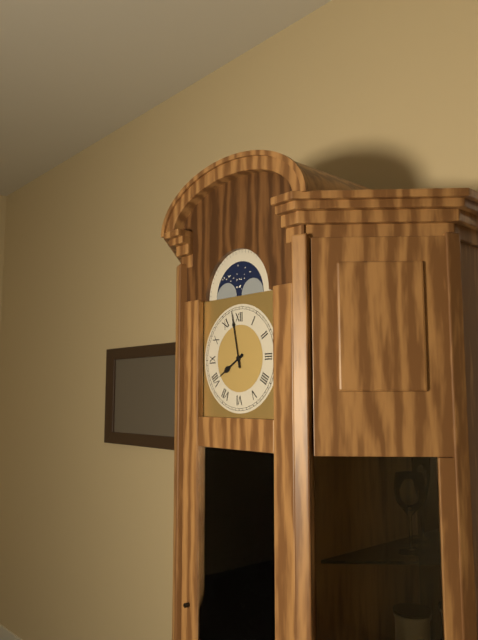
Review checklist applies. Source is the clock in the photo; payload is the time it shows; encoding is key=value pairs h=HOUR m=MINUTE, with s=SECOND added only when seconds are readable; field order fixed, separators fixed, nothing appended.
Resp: h=7 m=58
